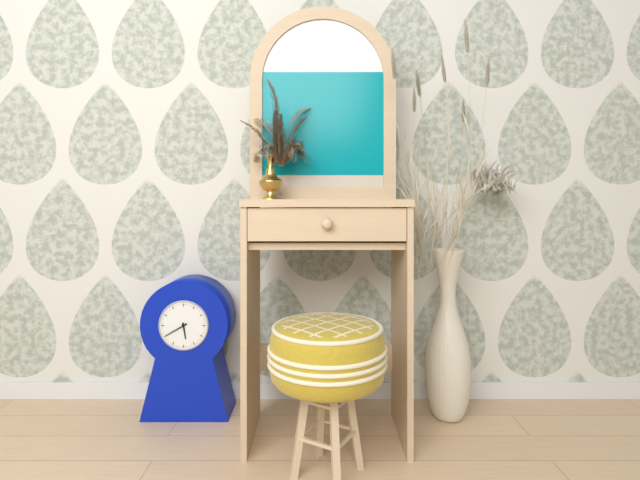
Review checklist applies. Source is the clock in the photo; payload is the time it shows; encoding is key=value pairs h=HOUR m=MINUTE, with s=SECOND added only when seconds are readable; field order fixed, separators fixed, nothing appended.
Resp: h=5 m=40
